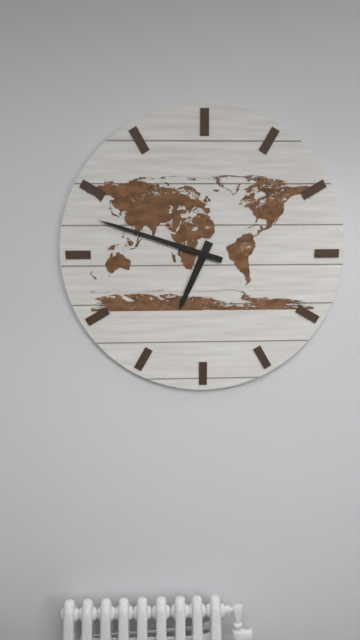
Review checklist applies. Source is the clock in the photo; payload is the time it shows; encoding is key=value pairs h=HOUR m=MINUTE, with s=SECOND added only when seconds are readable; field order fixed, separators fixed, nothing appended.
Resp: h=6 m=48
